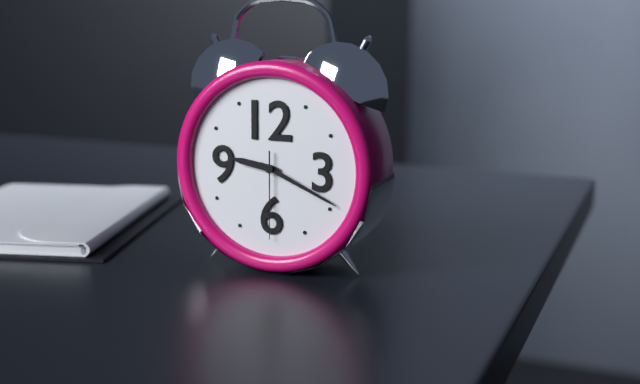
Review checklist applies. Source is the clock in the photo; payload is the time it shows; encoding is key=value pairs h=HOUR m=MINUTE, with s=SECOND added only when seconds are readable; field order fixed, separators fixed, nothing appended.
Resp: h=9 m=19 s=30
